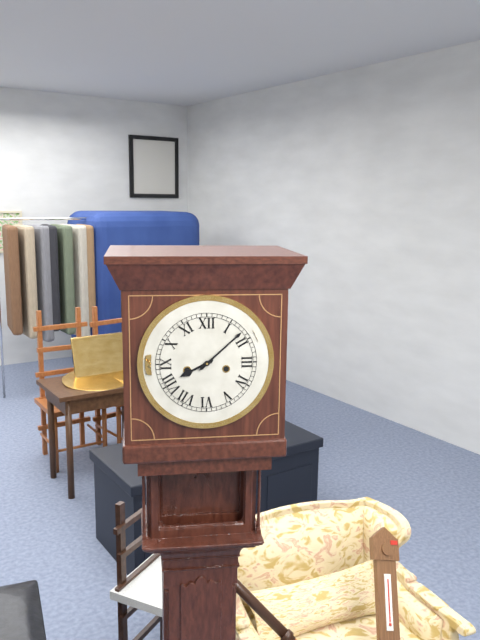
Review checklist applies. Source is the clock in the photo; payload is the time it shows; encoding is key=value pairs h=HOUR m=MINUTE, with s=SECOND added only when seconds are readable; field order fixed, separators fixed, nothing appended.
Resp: h=8 m=8
